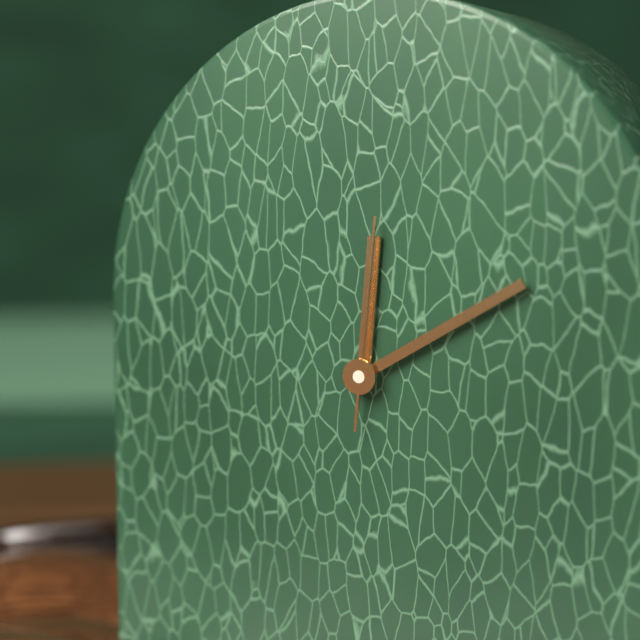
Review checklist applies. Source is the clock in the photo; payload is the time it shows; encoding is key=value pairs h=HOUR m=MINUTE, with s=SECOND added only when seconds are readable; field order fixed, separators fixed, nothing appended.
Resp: h=12 m=10 s=1
